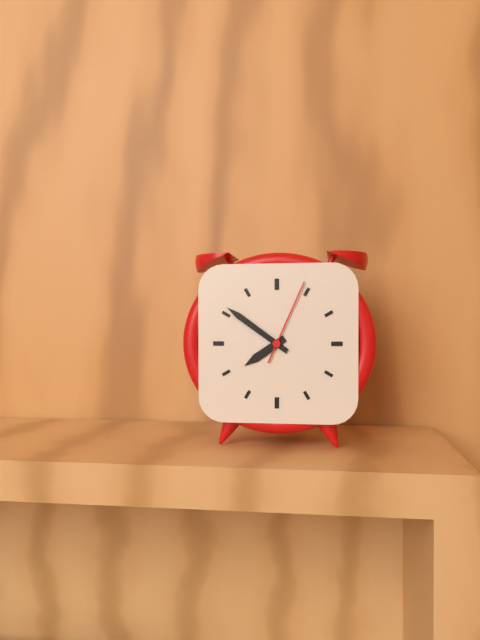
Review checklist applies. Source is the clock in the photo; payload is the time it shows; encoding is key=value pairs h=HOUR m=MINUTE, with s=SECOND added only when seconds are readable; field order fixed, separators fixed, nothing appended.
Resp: h=7 m=51 s=4
